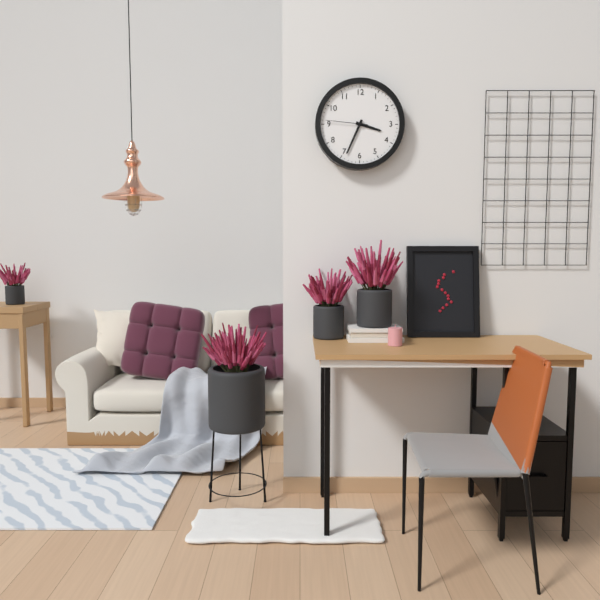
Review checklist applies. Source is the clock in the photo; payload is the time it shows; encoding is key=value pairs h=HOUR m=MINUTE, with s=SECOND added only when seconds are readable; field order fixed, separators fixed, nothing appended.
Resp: h=3 m=34
